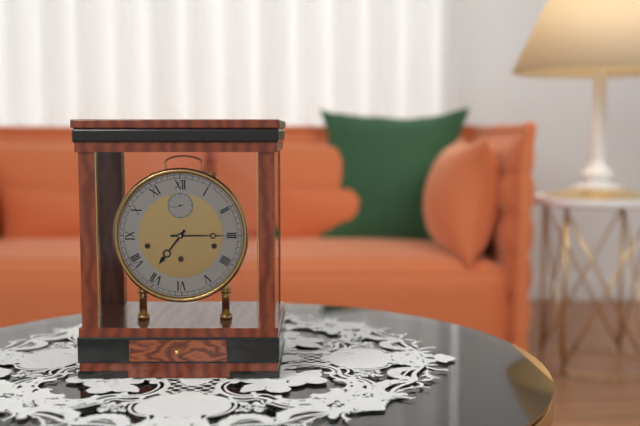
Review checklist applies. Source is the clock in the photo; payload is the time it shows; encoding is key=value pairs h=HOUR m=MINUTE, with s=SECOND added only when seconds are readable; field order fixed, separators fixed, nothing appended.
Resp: h=7 m=15
